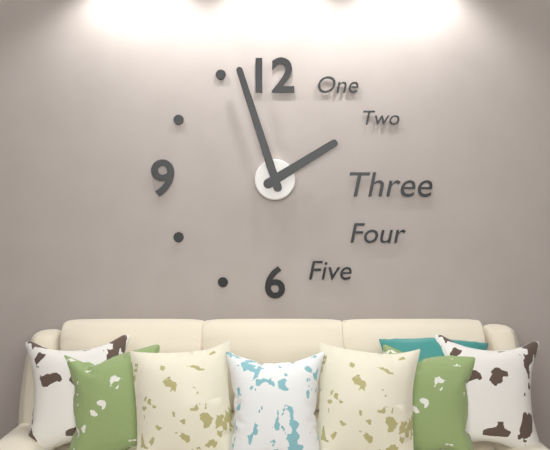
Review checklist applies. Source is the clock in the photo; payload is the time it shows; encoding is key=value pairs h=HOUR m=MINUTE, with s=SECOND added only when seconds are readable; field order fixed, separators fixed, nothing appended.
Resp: h=1 m=57
